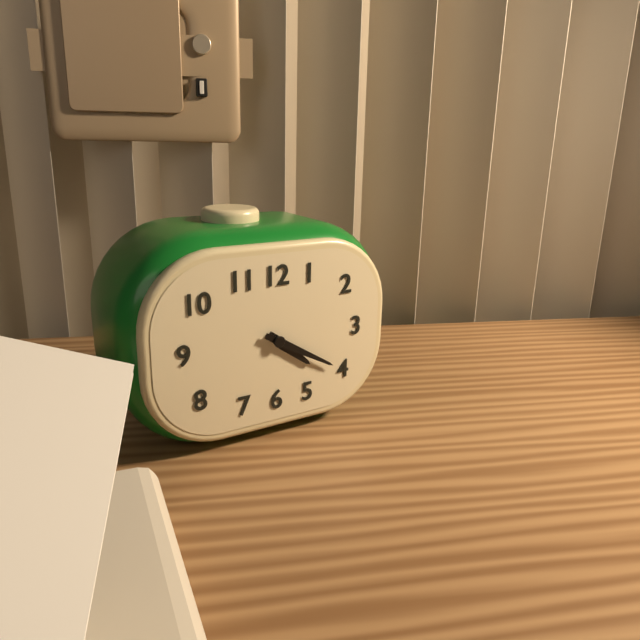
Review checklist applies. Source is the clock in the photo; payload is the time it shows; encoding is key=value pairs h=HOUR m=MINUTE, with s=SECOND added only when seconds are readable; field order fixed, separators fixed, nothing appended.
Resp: h=4 m=20
